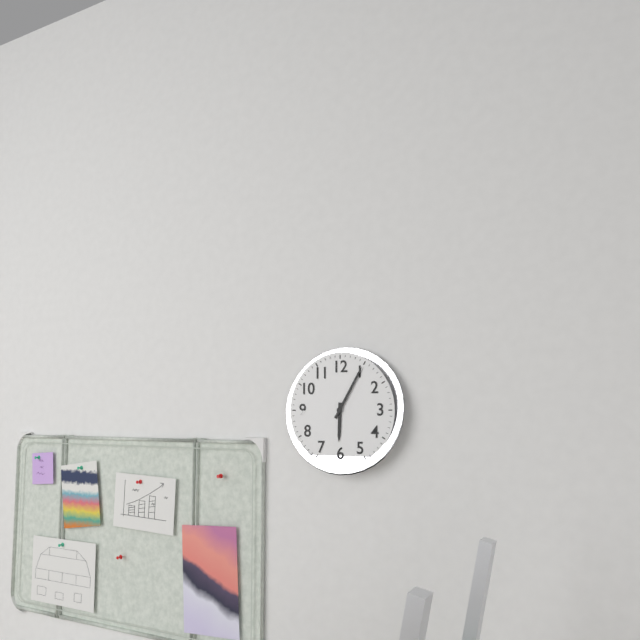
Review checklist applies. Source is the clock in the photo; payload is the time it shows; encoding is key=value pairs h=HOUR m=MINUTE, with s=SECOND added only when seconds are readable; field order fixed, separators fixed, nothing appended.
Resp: h=6 m=5
